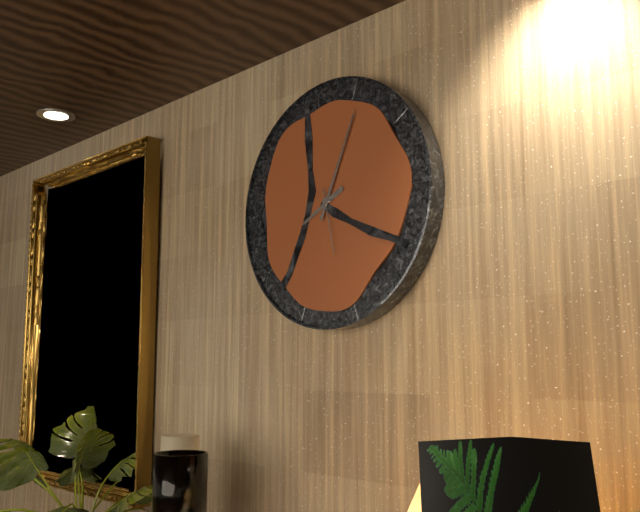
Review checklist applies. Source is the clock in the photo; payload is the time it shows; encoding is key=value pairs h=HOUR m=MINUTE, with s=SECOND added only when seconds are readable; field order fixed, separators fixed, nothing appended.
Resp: h=8 m=4 s=28
